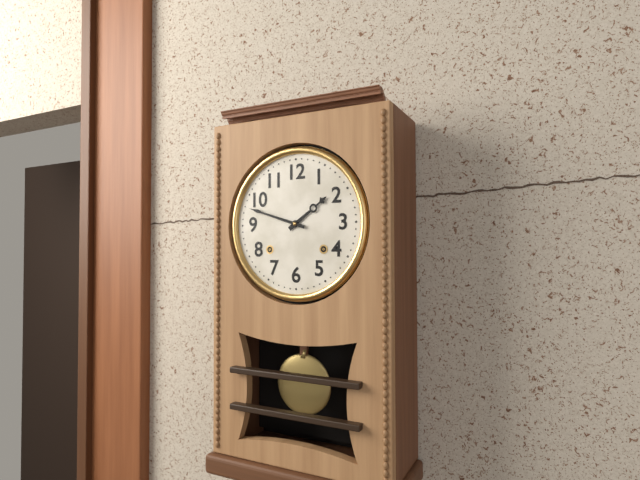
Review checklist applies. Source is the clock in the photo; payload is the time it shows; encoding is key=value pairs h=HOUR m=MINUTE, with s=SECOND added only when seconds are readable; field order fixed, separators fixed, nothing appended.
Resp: h=1 m=48
